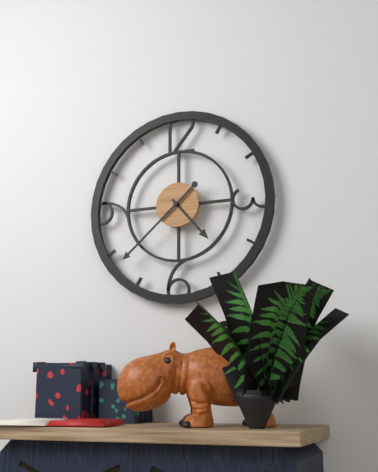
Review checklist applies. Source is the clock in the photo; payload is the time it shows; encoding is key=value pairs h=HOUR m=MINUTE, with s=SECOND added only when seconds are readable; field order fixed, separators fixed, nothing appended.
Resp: h=4 m=38
